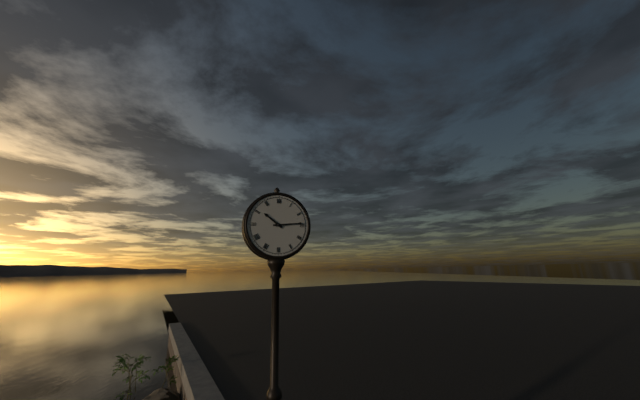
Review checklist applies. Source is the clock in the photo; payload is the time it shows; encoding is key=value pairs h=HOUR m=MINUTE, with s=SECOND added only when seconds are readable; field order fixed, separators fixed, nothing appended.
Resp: h=10 m=14
